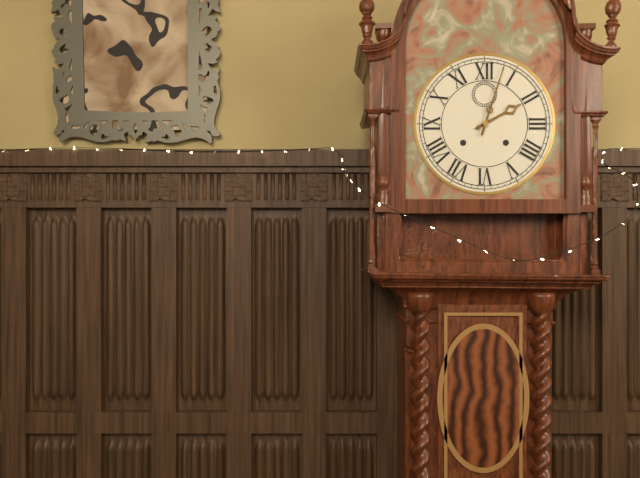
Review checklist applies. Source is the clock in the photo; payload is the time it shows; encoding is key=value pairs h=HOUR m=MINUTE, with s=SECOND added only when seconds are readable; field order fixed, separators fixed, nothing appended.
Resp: h=2 m=3
